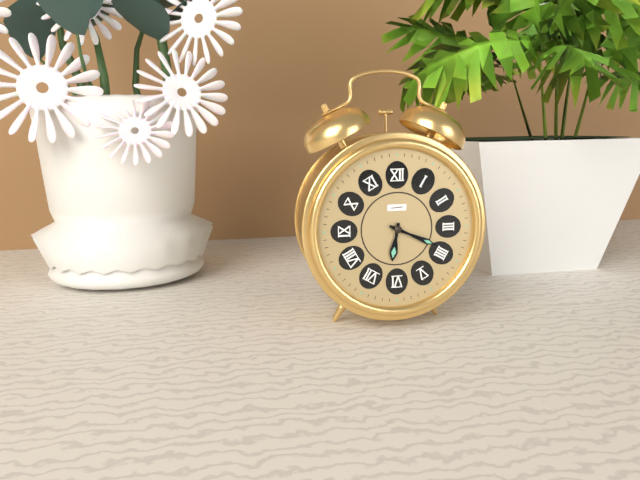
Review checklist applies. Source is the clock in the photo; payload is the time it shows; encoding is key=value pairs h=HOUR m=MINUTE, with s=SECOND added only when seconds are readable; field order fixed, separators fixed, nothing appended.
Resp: h=6 m=19
